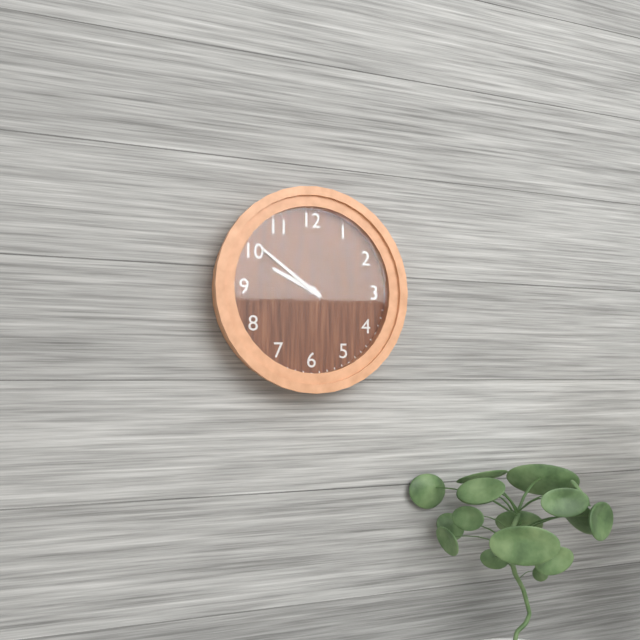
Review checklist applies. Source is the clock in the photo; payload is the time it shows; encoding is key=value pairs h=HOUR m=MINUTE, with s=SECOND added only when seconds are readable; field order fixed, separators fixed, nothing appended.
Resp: h=9 m=51
